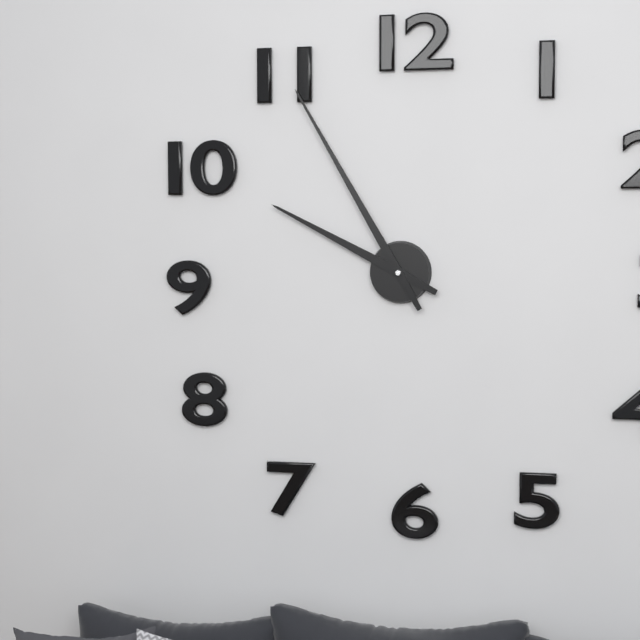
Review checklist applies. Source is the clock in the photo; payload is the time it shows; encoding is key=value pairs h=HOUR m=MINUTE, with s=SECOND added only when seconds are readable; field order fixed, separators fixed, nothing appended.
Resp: h=9 m=55
